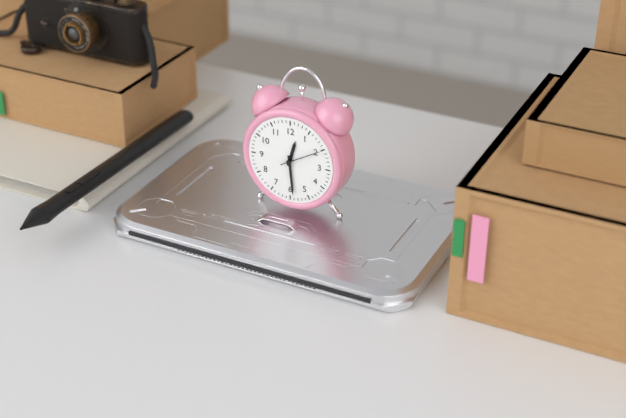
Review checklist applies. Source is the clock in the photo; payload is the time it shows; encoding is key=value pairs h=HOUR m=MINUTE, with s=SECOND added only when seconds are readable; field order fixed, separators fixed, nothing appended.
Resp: h=12 m=29
